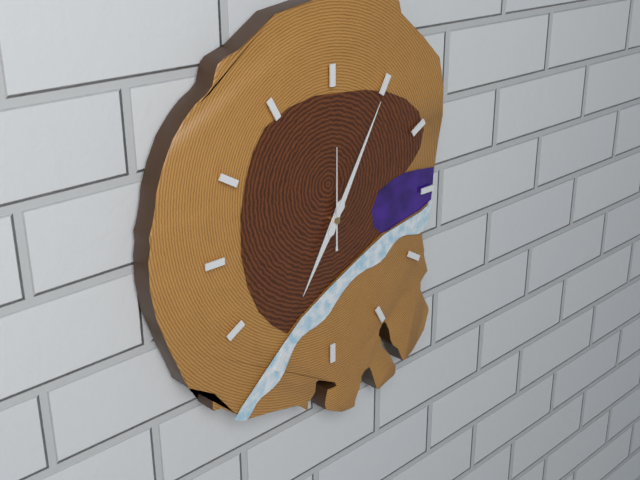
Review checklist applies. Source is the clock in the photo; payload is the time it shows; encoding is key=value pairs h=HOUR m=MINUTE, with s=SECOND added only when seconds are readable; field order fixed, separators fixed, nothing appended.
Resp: h=7 m=5 s=0
